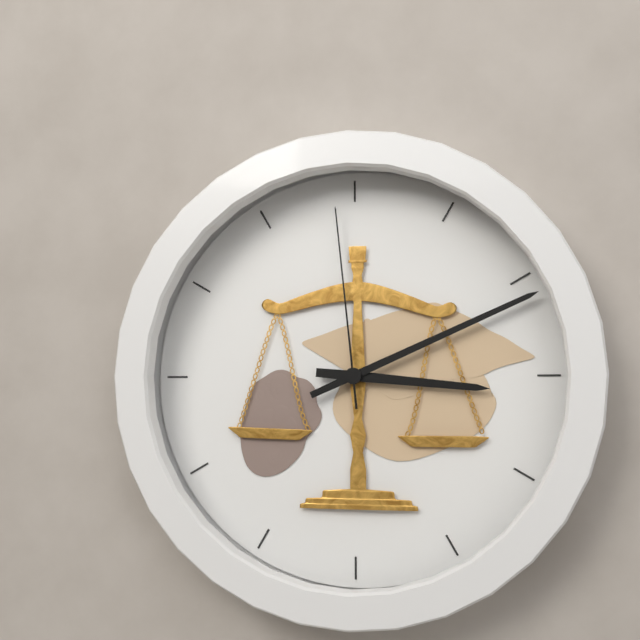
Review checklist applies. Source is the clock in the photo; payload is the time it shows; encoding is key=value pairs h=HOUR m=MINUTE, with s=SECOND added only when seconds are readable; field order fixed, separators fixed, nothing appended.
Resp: h=3 m=11 s=59
